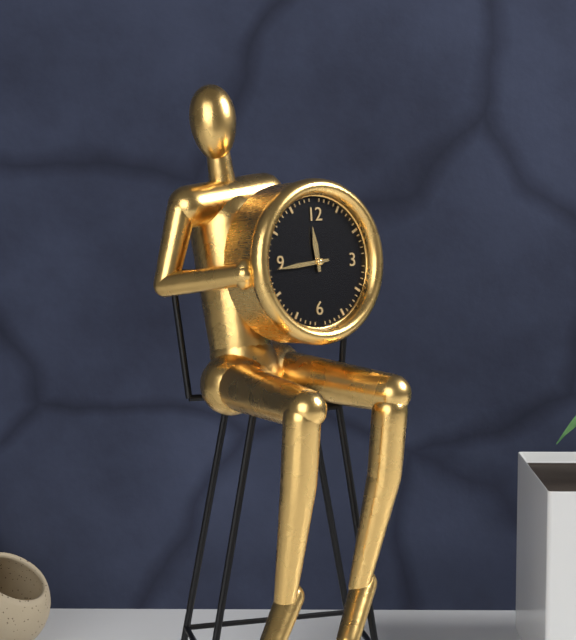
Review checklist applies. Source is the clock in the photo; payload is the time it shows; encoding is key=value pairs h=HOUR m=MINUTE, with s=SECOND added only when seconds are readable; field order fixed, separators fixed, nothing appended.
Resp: h=11 m=44
